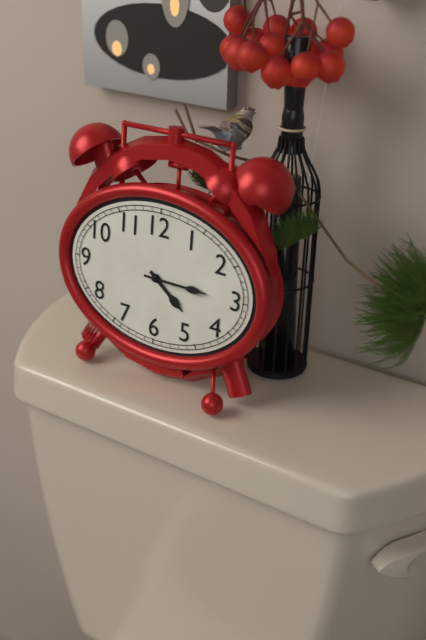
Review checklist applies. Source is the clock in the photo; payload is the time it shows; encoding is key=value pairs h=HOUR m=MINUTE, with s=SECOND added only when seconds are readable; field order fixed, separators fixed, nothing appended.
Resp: h=4 m=15
